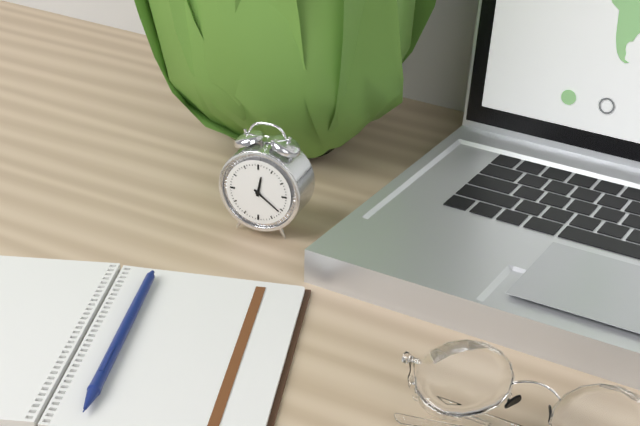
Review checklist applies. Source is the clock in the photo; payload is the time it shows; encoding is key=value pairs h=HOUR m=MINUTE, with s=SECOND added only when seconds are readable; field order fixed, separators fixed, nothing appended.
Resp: h=12 m=21
